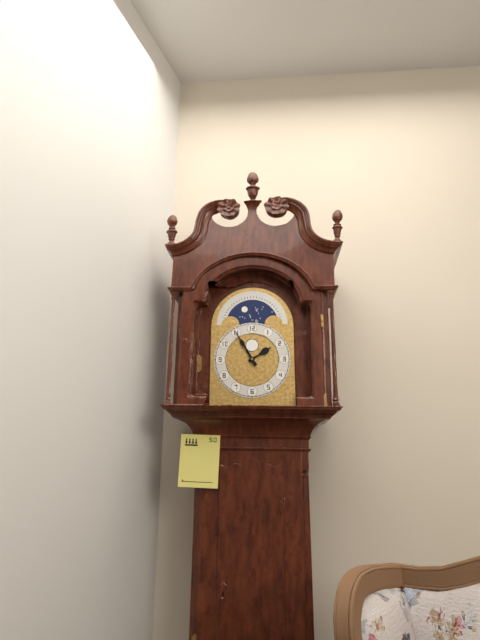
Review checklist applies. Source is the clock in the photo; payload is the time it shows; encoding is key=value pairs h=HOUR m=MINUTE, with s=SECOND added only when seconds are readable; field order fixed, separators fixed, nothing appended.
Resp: h=1 m=55
